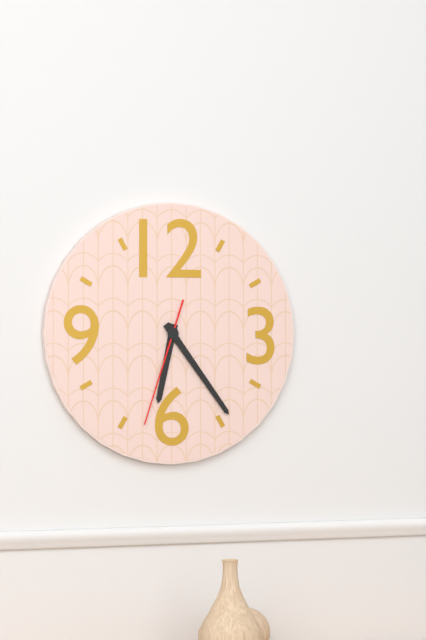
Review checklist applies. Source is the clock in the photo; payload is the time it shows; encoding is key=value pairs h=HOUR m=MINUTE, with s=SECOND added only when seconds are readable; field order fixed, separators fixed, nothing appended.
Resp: h=6 m=24 s=33
